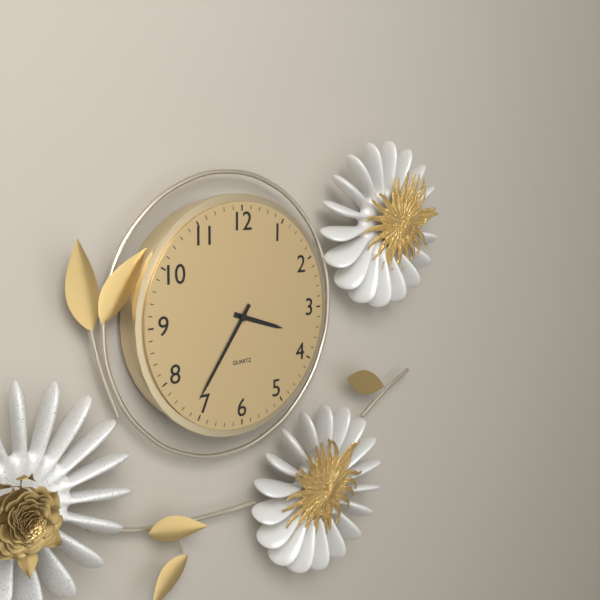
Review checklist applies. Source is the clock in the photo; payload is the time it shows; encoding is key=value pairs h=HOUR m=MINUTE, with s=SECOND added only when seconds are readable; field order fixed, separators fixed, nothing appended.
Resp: h=3 m=36
